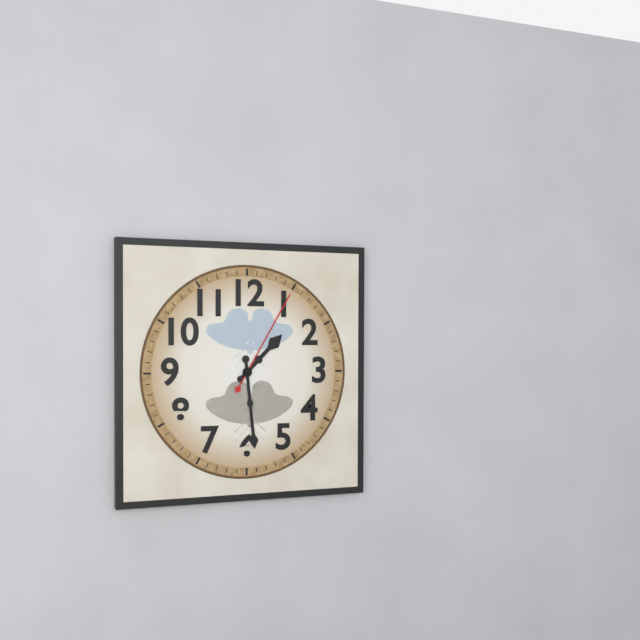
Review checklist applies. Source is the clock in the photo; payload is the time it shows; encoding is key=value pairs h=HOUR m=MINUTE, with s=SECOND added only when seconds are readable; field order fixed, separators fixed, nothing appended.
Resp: h=1 m=29 s=5
